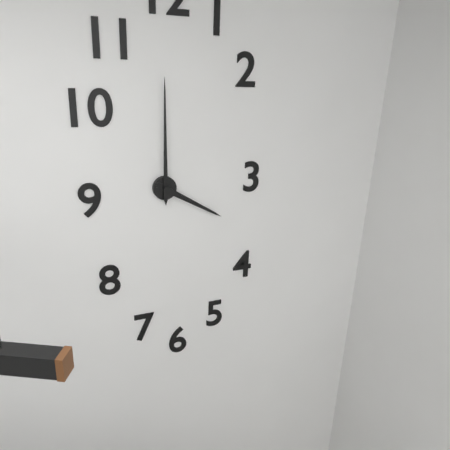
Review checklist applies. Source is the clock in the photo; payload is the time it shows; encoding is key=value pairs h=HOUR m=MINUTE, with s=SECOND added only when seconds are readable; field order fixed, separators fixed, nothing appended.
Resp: h=4 m=0
